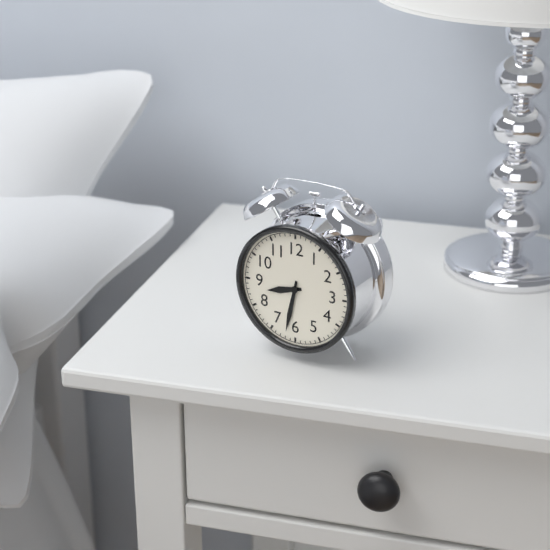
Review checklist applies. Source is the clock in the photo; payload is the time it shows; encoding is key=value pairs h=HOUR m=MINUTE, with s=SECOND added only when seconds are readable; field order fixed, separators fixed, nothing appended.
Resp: h=8 m=32
